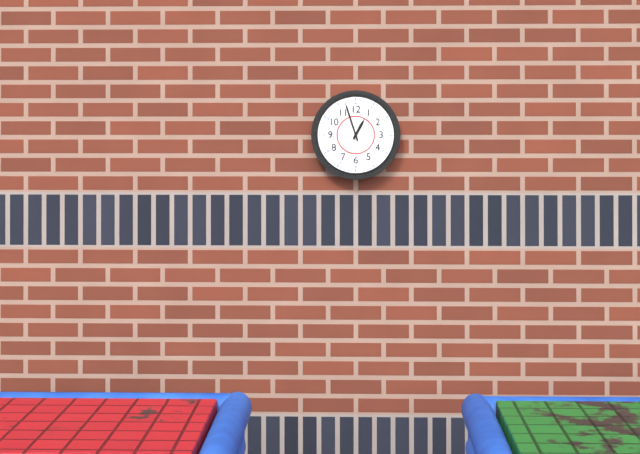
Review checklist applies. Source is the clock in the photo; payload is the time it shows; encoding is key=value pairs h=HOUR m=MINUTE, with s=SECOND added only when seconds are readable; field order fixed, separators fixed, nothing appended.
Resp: h=12 m=57
